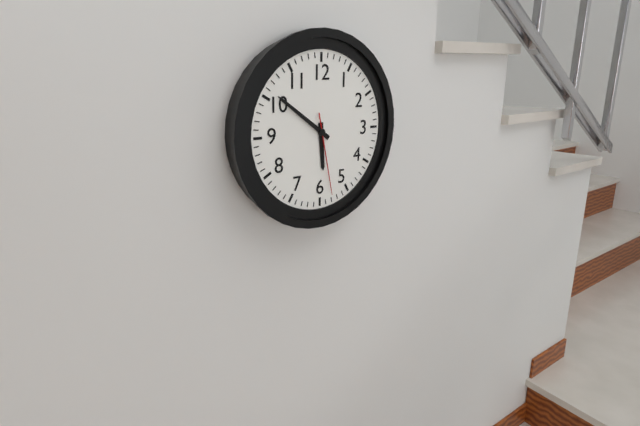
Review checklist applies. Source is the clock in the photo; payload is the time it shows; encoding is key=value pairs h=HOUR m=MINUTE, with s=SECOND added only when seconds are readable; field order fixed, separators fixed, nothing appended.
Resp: h=5 m=51 s=28
